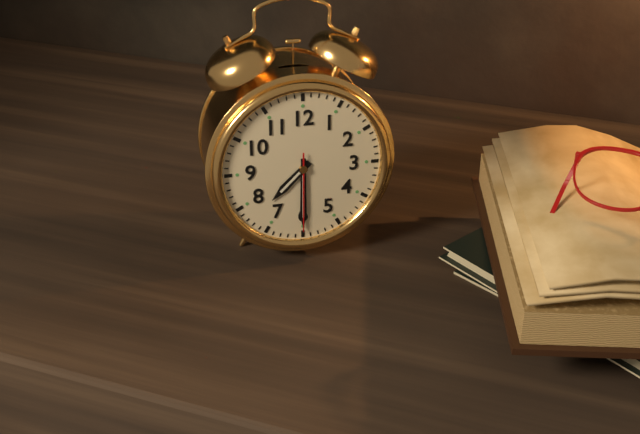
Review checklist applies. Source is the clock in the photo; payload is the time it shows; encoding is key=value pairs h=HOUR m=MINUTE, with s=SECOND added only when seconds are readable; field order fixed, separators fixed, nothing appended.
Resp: h=7 m=30 s=30
